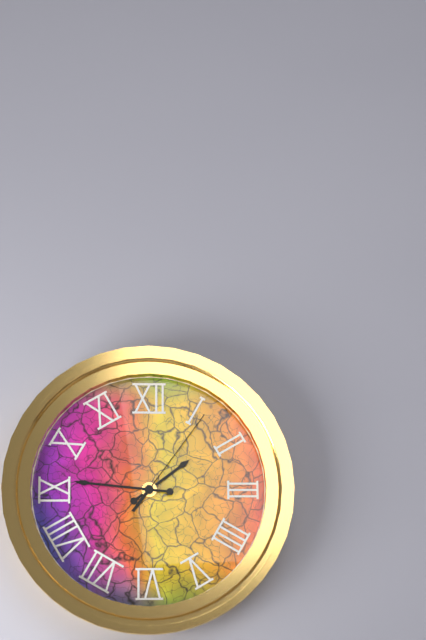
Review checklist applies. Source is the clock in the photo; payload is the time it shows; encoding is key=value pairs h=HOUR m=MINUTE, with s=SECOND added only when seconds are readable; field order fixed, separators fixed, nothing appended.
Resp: h=1 m=46 s=6
